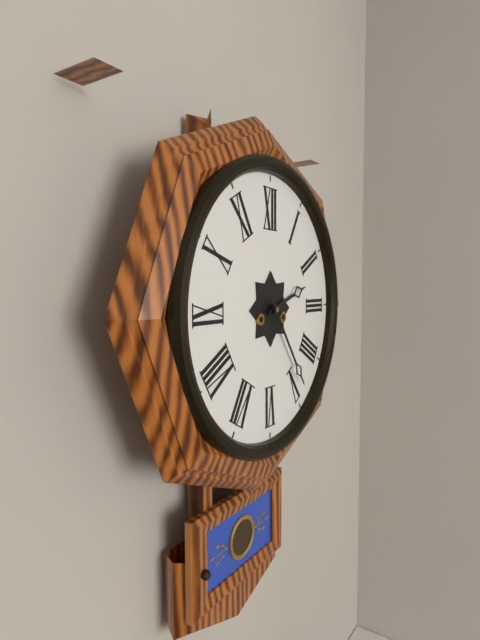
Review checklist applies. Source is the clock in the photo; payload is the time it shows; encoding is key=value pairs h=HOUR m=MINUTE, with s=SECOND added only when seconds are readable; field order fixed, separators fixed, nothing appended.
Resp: h=2 m=24
